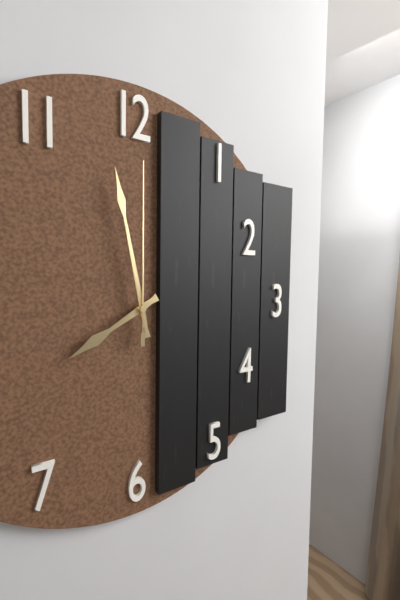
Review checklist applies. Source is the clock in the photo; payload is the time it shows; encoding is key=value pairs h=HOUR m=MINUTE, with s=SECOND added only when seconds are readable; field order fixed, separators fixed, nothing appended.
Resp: h=7 m=58 s=0
